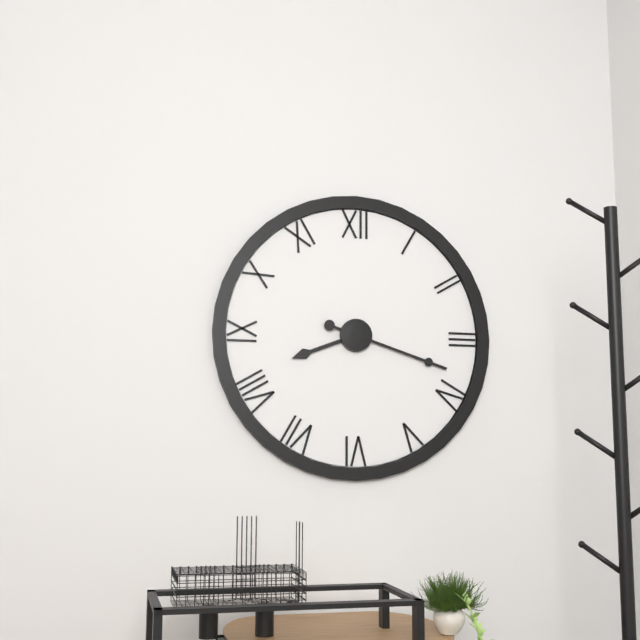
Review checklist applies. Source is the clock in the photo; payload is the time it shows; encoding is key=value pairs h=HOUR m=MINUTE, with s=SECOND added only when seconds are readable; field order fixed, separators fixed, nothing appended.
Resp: h=8 m=18
